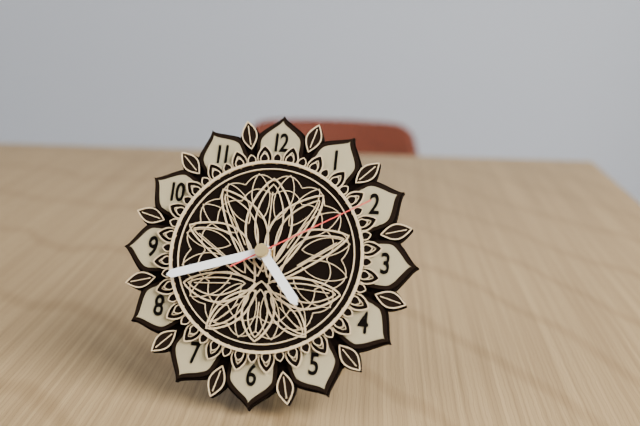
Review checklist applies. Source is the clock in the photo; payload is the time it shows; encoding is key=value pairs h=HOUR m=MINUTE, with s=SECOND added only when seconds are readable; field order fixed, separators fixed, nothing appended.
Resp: h=4 m=42 s=10
